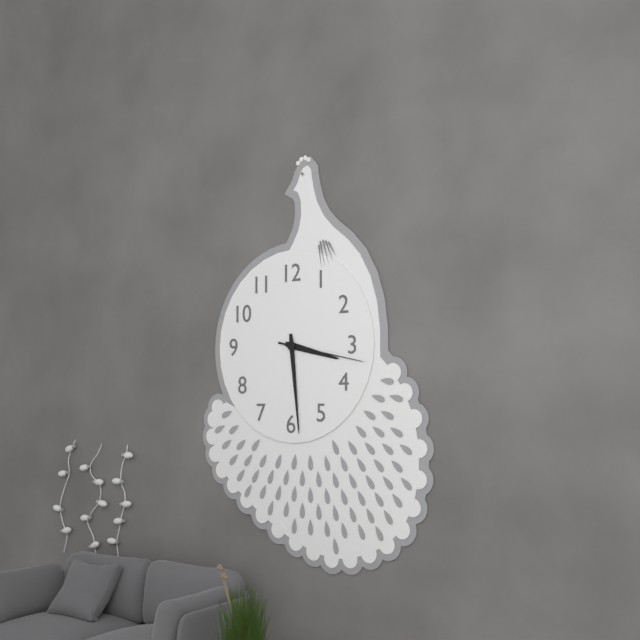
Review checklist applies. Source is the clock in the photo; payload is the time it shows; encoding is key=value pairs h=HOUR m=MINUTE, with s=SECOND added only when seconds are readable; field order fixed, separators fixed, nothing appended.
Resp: h=3 m=29 s=17
